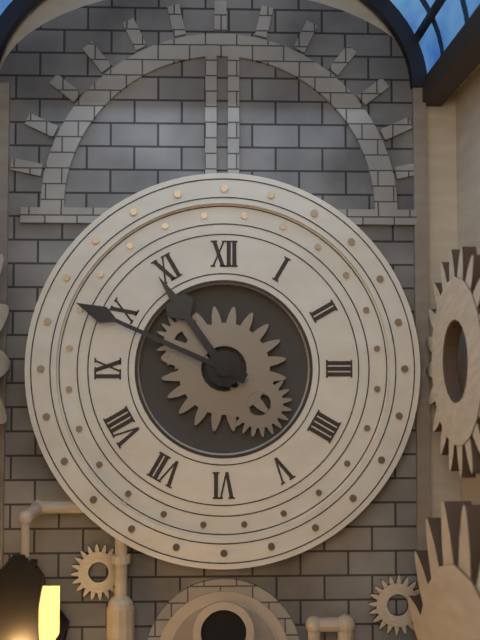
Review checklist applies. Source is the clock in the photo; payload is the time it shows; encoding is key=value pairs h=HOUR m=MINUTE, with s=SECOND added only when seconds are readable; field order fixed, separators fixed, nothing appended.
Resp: h=10 m=49
